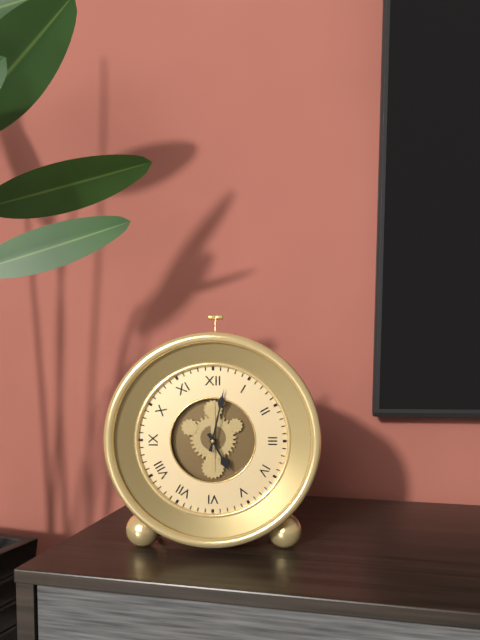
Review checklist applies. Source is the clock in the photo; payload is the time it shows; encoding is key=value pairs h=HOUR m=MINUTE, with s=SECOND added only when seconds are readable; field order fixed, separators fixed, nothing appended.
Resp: h=5 m=2
